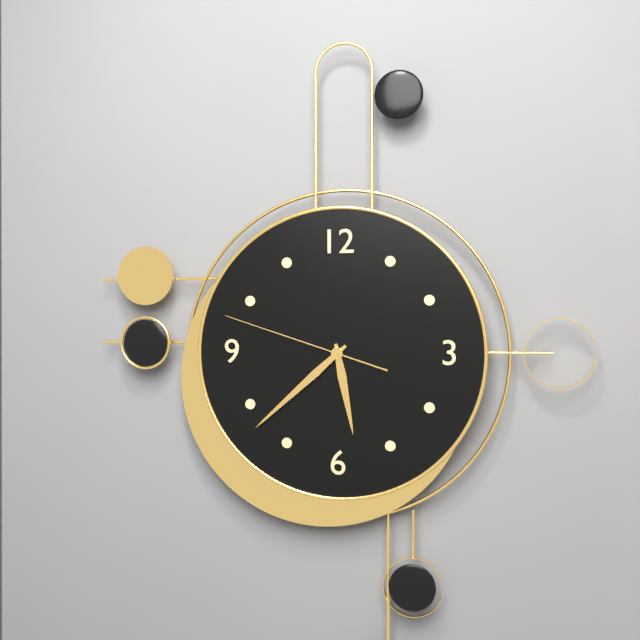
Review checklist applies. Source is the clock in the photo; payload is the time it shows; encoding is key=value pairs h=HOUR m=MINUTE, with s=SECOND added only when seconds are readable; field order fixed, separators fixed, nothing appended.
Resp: h=5 m=38 s=48
